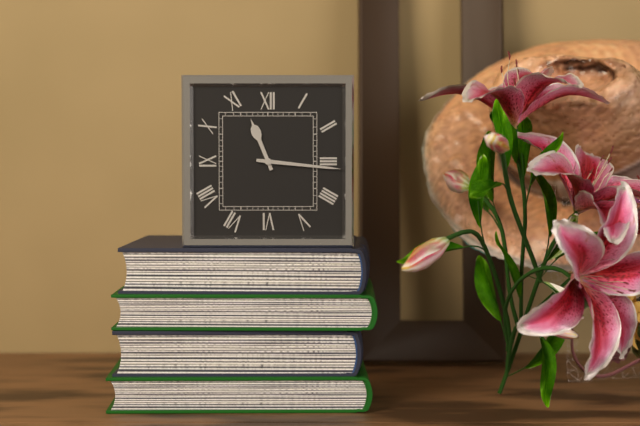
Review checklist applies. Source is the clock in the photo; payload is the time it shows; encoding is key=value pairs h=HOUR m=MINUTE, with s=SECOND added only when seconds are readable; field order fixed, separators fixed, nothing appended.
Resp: h=11 m=16
